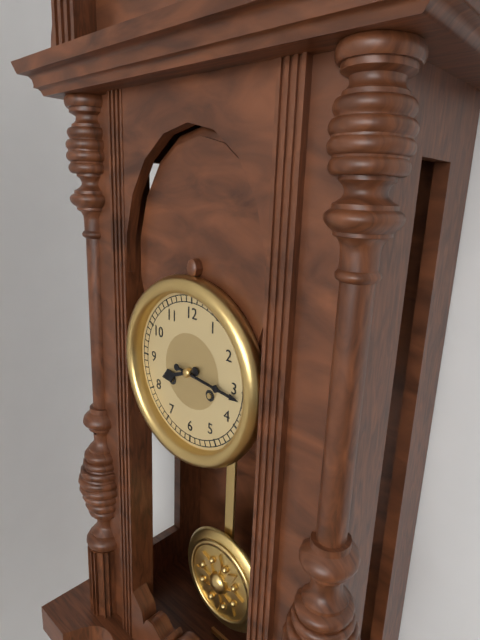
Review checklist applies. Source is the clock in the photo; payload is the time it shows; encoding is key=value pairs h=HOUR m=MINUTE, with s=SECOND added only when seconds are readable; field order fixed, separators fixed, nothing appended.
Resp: h=8 m=16
